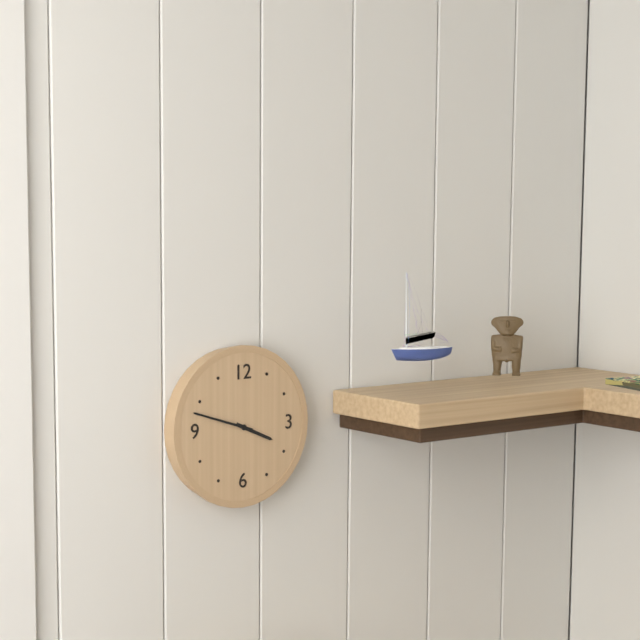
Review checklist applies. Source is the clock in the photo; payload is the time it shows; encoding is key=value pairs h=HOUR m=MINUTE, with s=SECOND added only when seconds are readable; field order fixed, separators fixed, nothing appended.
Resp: h=3 m=48
